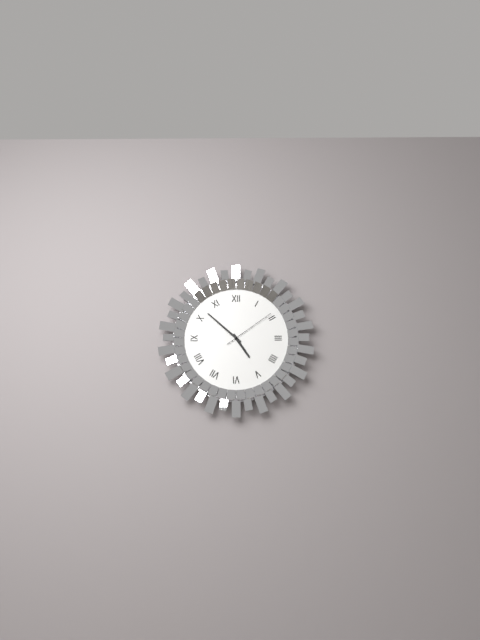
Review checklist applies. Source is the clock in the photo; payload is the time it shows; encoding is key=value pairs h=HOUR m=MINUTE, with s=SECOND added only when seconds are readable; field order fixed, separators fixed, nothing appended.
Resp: h=4 m=52 s=9
